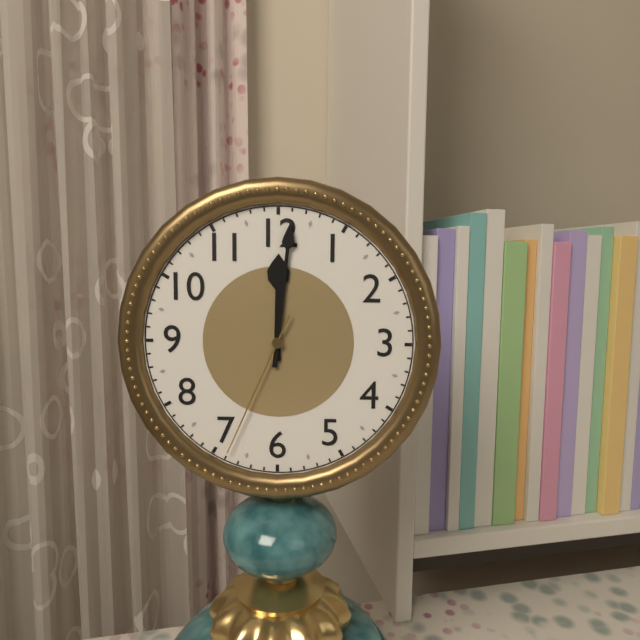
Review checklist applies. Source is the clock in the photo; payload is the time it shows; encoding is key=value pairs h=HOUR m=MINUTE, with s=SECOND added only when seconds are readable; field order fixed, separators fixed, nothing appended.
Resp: h=12 m=1 s=34
